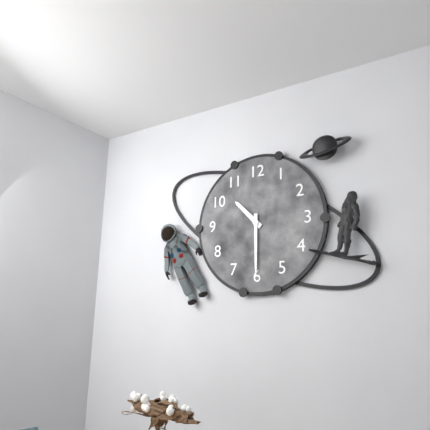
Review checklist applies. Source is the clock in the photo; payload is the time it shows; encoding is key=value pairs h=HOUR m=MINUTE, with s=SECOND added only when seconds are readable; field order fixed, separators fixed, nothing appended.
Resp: h=10 m=30
